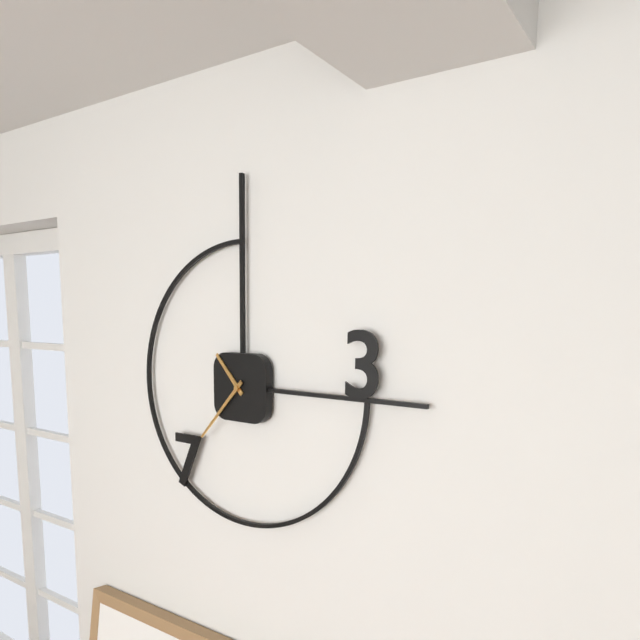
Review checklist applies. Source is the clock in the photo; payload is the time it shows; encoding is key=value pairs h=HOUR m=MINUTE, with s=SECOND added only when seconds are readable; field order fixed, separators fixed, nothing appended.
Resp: h=10 m=37
